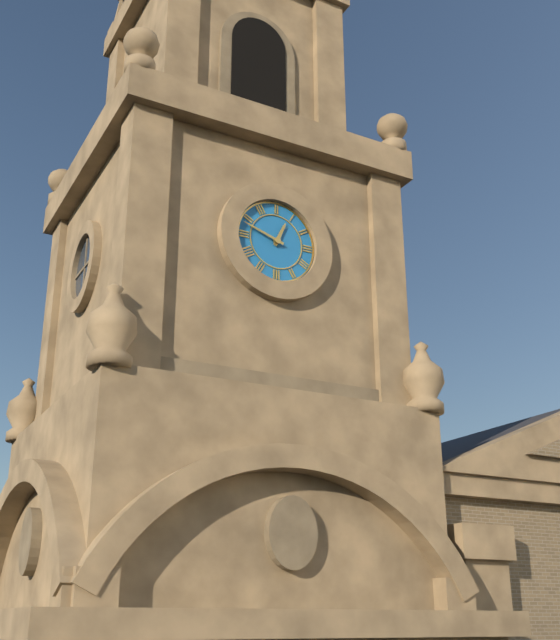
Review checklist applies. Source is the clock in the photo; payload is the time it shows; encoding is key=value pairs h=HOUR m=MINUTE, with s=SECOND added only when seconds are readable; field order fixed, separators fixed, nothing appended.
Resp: h=12 m=48
